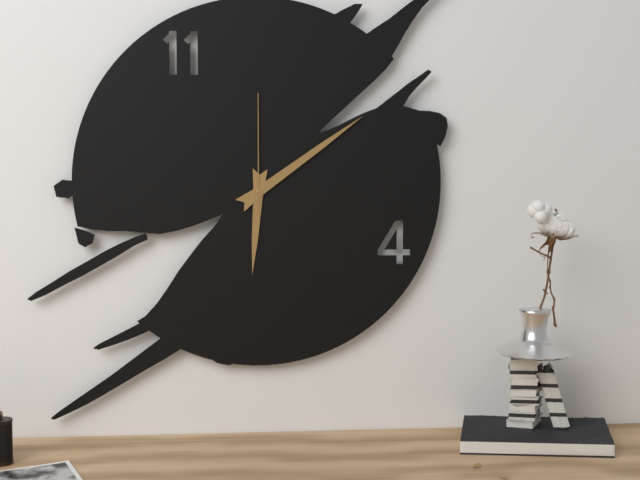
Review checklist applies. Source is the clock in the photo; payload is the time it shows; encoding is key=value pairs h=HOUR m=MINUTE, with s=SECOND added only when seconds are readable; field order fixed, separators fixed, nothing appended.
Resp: h=6 m=9 s=0
